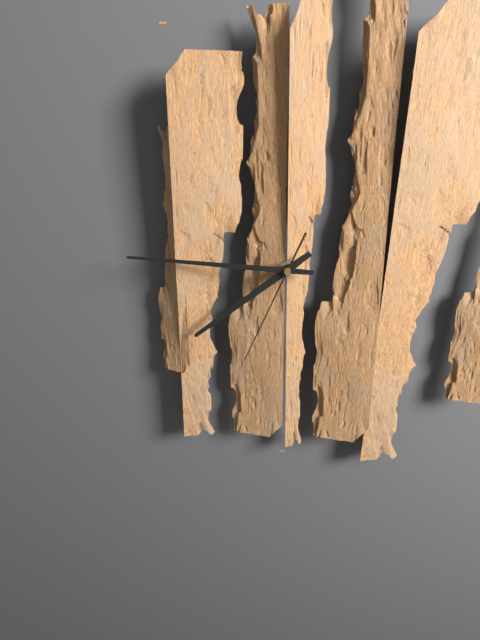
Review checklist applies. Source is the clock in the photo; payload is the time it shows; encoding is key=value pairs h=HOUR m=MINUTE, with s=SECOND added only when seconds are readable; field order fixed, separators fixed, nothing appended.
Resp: h=7 m=46 s=34
